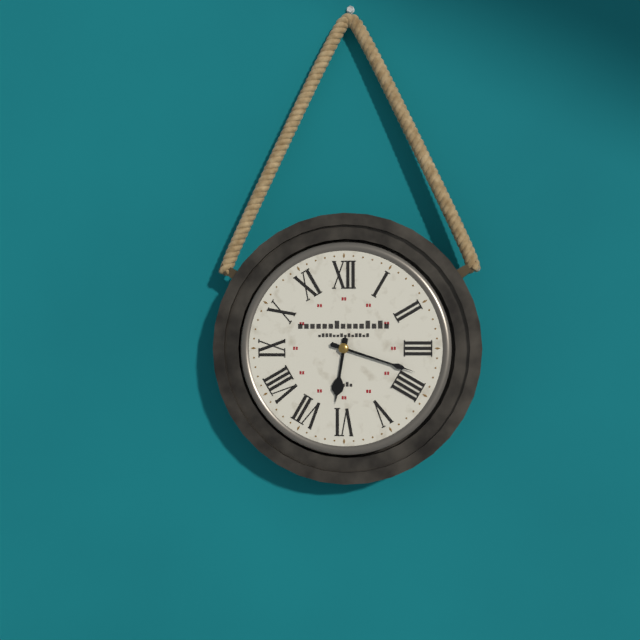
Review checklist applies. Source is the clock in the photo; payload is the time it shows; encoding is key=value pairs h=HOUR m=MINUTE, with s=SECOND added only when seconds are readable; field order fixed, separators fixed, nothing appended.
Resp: h=6 m=18
